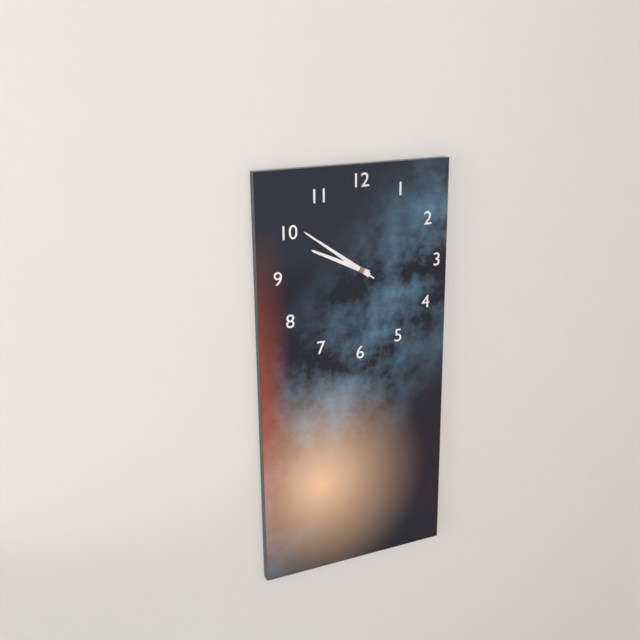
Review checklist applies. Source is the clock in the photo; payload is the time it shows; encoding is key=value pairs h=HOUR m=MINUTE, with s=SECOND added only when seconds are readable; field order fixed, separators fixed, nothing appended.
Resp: h=9 m=51 s=51
